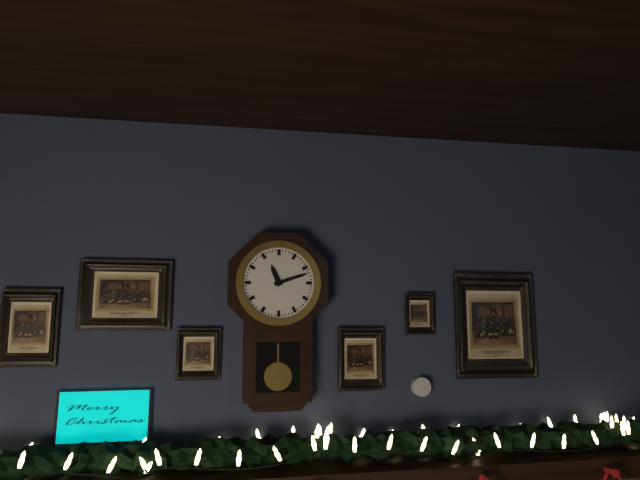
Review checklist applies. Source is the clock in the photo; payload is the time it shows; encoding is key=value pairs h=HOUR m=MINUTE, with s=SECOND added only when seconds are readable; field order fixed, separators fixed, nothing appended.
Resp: h=11 m=12
